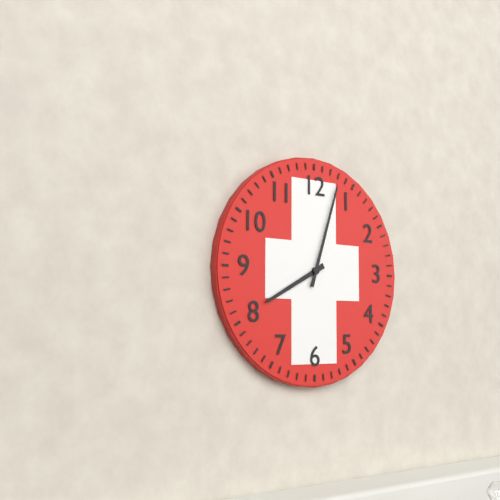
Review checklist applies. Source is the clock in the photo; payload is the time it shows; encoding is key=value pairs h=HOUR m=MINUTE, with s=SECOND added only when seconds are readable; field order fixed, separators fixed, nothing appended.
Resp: h=8 m=3
